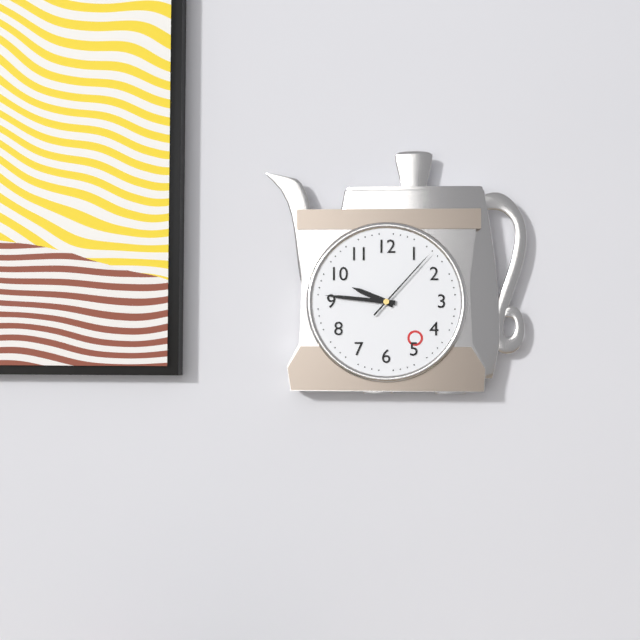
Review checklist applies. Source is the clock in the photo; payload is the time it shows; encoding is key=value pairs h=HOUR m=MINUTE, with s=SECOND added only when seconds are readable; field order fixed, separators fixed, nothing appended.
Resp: h=9 m=46 s=7
